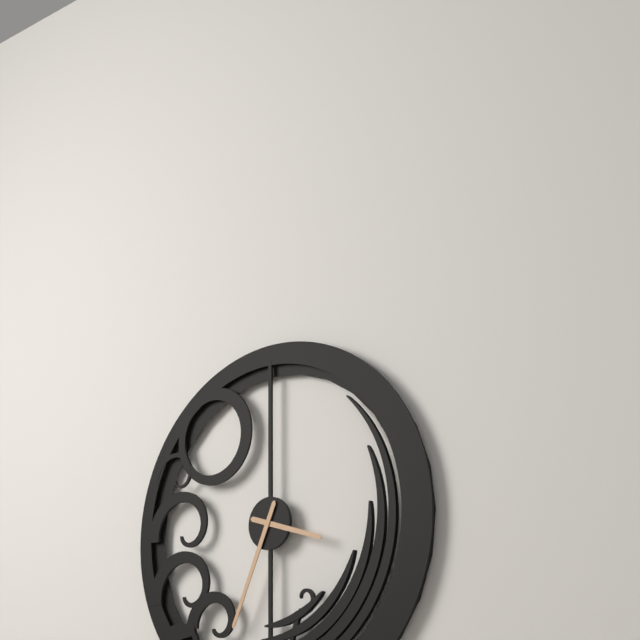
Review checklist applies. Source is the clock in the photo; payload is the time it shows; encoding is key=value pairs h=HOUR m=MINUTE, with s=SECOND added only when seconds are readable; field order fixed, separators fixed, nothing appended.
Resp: h=3 m=34
